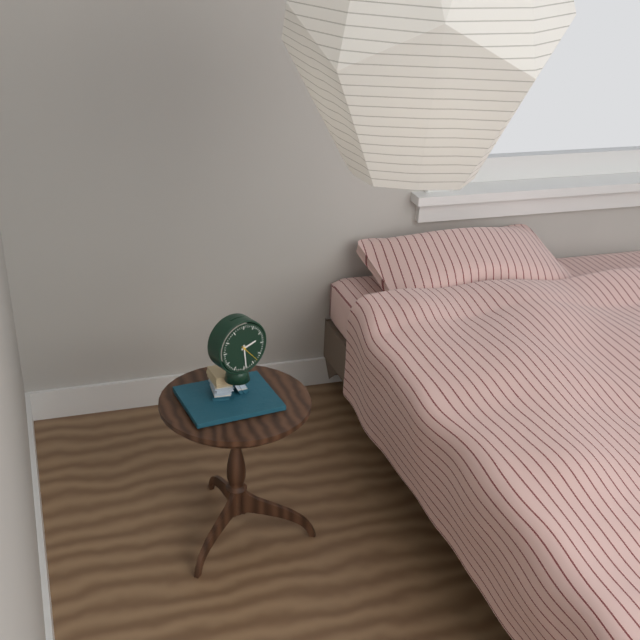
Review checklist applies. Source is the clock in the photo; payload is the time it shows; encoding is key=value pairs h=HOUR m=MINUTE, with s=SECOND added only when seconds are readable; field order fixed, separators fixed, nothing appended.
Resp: h=2 m=29
